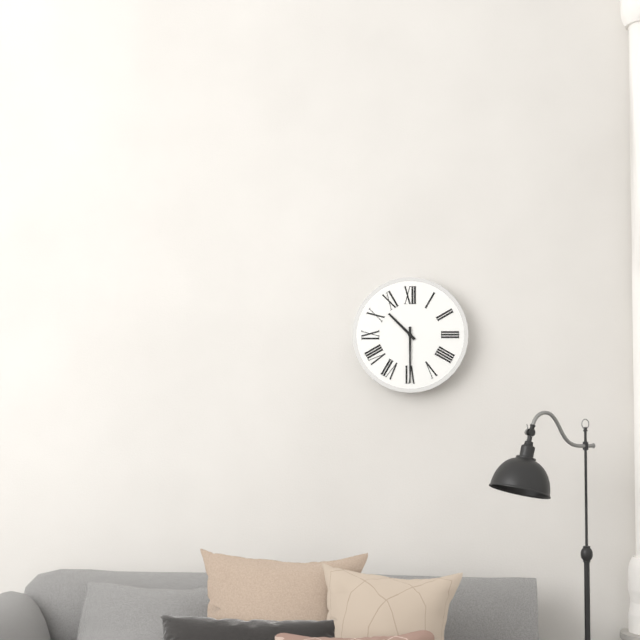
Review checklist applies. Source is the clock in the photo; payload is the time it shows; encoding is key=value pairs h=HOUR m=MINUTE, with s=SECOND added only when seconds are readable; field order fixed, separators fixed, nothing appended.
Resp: h=10 m=30
